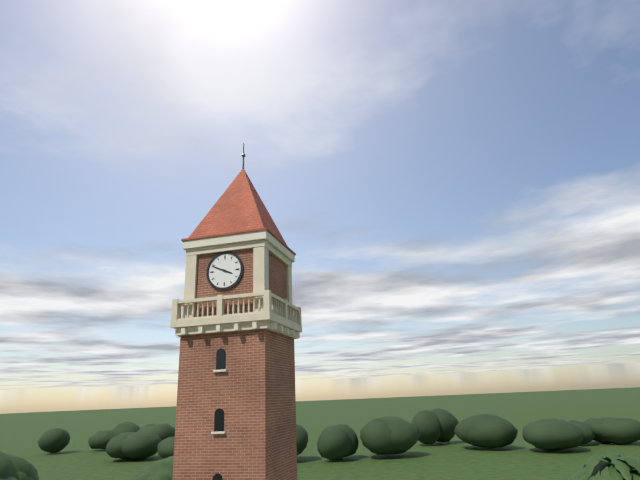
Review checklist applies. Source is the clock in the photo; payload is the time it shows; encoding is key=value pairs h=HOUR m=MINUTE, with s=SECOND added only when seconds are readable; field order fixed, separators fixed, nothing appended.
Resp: h=3 m=49
